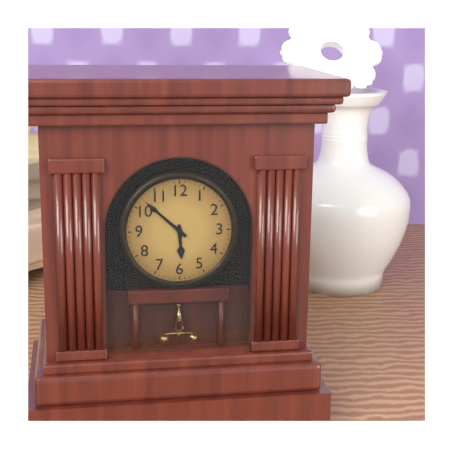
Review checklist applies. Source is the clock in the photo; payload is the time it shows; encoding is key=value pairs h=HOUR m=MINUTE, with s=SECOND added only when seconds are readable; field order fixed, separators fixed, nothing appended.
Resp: h=5 m=52
